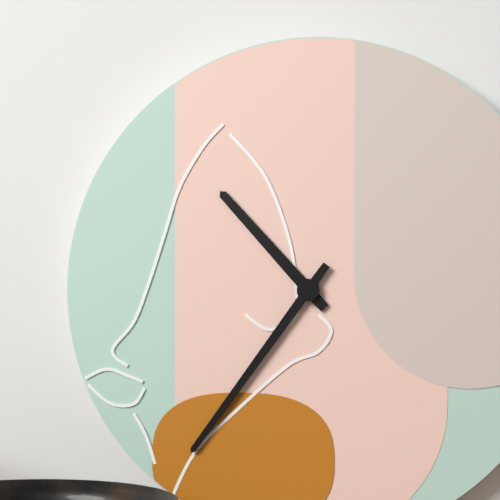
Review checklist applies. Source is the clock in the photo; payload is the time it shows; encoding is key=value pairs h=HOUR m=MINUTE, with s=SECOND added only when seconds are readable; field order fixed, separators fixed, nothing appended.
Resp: h=10 m=36
